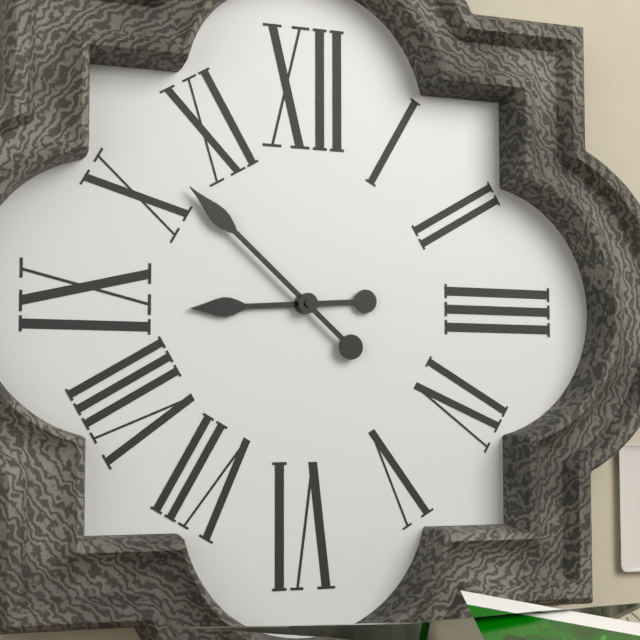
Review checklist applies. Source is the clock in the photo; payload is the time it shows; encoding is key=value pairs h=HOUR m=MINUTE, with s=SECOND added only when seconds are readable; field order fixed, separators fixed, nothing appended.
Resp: h=8 m=52
